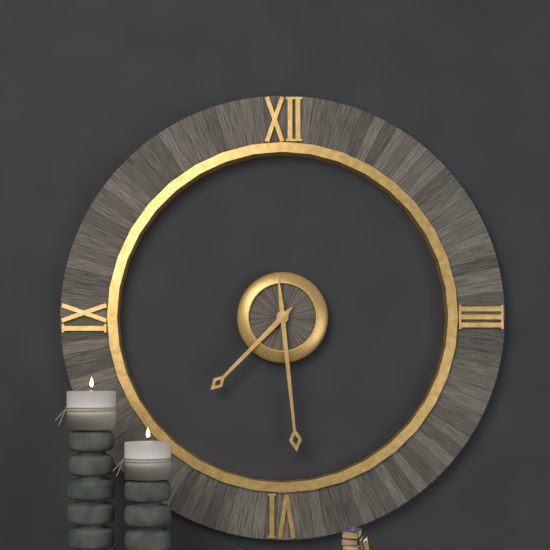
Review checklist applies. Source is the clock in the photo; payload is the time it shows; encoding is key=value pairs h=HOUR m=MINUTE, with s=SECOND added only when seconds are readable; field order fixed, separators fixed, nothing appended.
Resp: h=7 m=29
